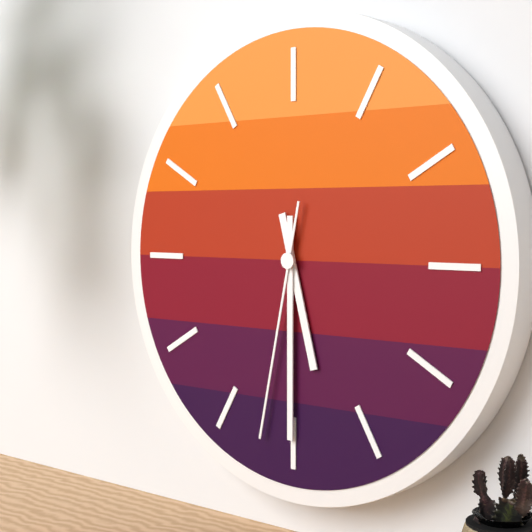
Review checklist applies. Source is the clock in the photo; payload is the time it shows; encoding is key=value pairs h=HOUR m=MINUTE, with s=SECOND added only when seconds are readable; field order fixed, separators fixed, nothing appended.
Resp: h=5 m=30 s=32
